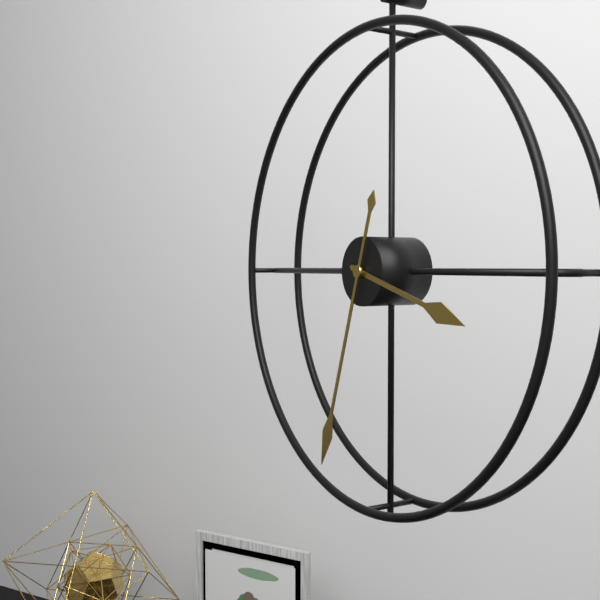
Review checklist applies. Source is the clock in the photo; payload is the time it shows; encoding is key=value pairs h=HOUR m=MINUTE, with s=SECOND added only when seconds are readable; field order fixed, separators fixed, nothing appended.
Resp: h=3 m=33
